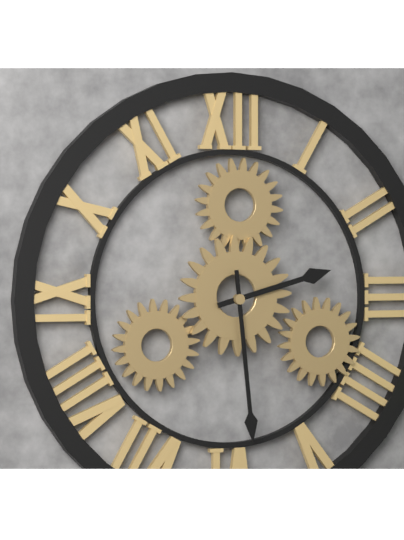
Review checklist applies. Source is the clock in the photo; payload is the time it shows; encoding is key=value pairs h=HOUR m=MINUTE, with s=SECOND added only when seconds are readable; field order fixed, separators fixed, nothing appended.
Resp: h=2 m=29
